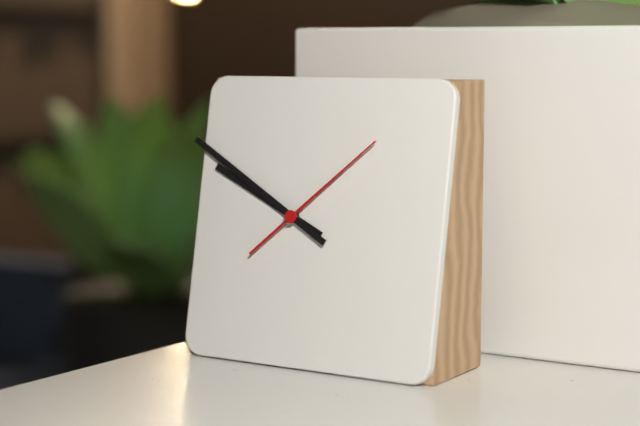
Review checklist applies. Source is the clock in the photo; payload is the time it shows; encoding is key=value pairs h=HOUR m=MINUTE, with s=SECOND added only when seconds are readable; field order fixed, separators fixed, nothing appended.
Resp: h=9 m=50 s=8
